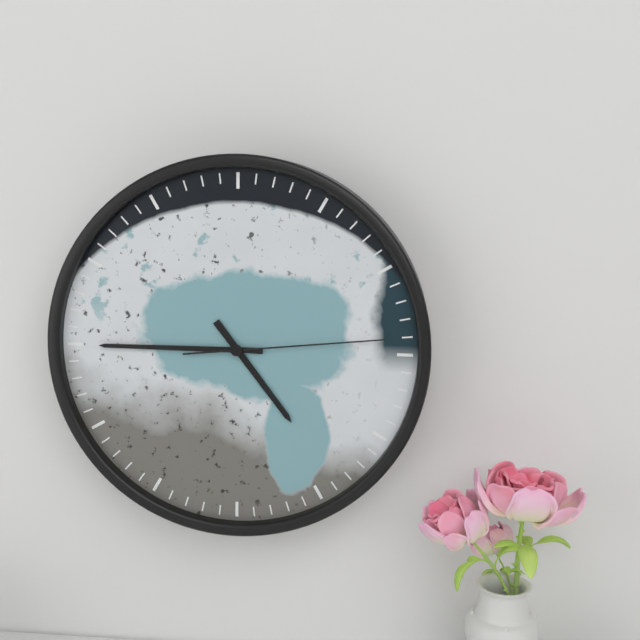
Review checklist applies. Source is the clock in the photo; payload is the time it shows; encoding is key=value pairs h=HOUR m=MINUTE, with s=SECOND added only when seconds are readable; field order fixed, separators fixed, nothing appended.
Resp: h=4 m=45 s=14
